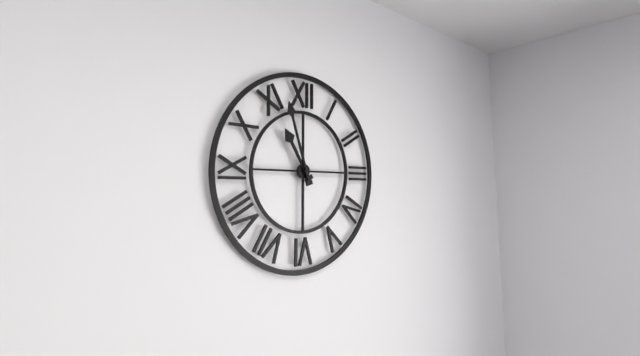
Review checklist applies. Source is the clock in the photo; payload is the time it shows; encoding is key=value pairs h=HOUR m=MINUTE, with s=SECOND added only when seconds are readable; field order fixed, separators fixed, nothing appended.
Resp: h=10 m=57
